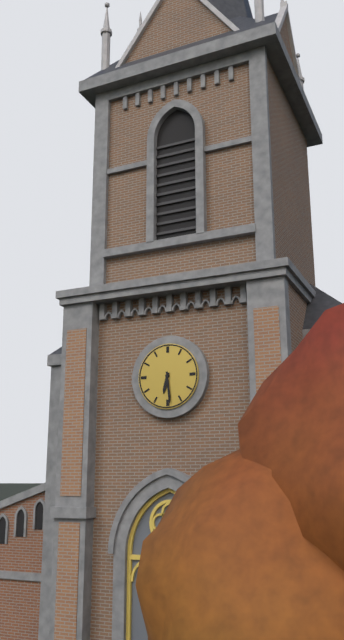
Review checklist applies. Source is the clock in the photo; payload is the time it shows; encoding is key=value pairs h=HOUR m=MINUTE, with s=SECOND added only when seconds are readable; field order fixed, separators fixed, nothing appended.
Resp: h=6 m=29
